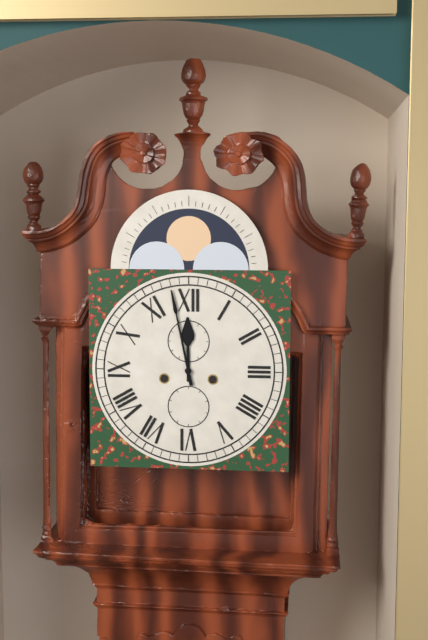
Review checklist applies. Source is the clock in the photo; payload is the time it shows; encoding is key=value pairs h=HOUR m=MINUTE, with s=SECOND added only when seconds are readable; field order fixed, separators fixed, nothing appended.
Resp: h=11 m=58
